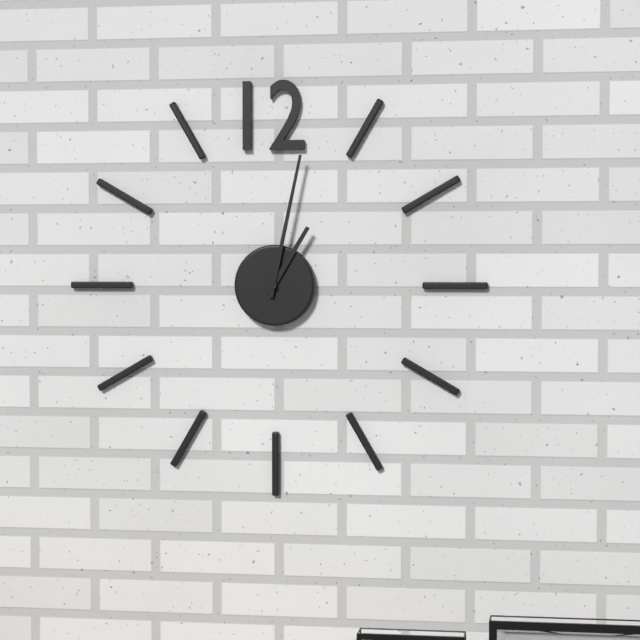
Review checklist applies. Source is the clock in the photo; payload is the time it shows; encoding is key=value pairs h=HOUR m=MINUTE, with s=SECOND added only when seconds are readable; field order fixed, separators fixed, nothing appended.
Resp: h=1 m=2
